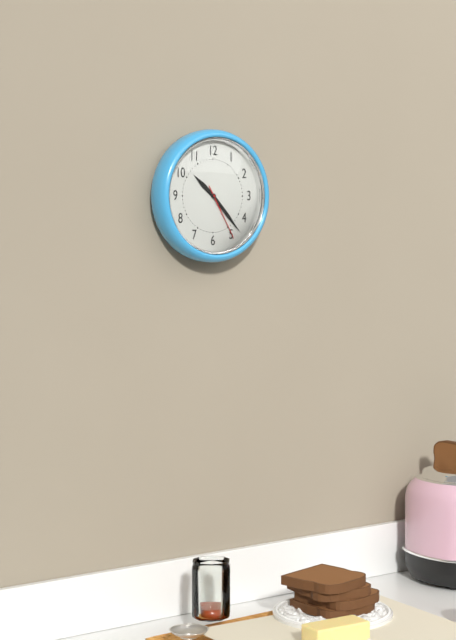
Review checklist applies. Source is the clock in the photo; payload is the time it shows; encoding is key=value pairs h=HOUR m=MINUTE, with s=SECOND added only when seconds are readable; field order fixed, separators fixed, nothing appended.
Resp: h=10 m=23 s=25
